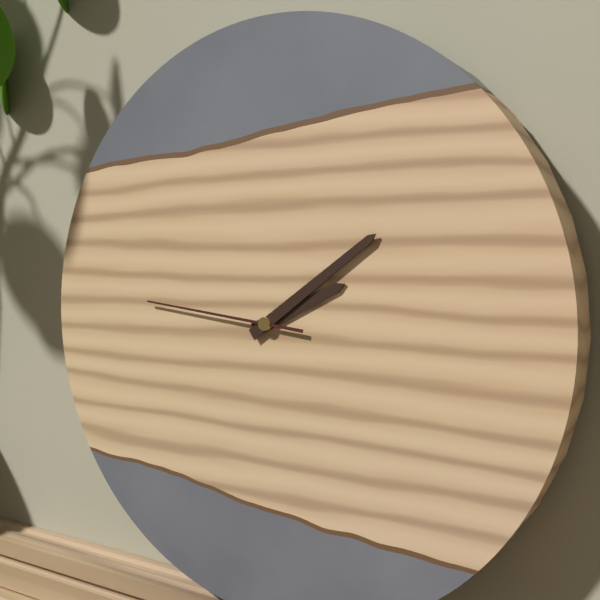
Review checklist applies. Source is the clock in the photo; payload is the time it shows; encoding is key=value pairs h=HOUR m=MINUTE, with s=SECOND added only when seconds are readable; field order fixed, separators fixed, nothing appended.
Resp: h=2 m=9 s=46
